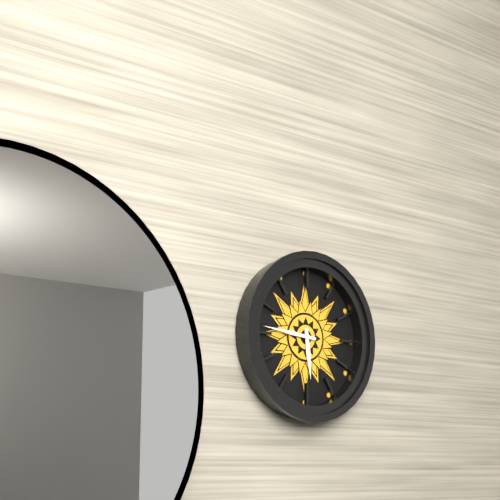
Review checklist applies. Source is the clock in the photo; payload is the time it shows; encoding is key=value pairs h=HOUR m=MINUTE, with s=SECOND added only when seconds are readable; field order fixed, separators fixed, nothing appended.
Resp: h=5 m=46
